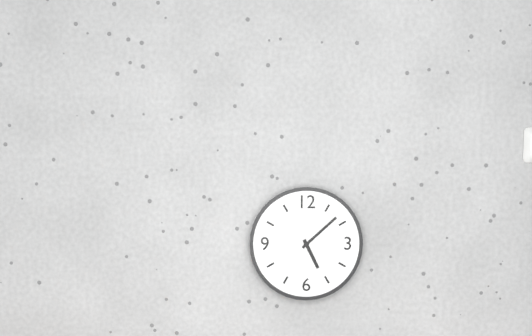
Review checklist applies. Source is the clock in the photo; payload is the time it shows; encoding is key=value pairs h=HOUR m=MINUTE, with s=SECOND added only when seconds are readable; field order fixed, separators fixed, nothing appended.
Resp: h=5 m=8
